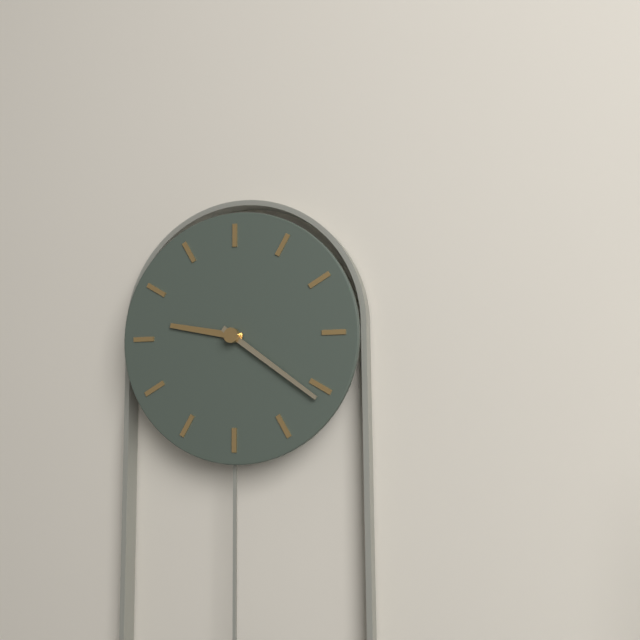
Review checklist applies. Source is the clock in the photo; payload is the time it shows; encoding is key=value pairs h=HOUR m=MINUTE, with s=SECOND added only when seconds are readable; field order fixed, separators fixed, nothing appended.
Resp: h=9 m=21
